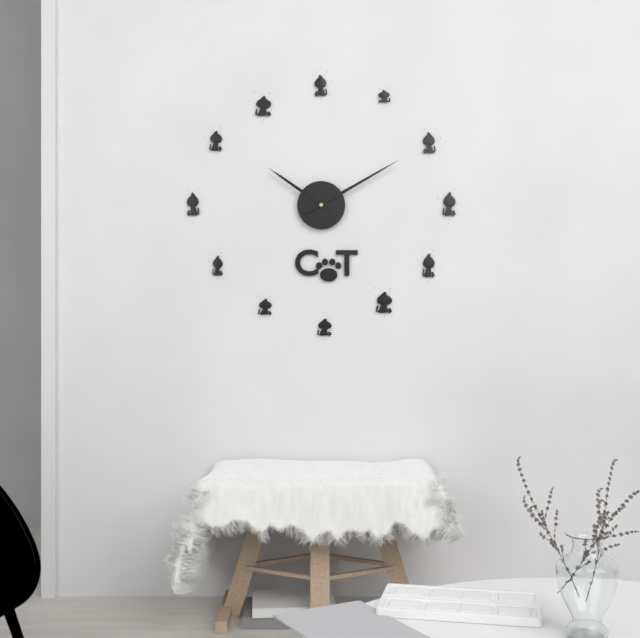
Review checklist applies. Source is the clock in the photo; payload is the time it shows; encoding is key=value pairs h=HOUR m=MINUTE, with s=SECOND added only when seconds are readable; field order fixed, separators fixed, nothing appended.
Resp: h=10 m=10
